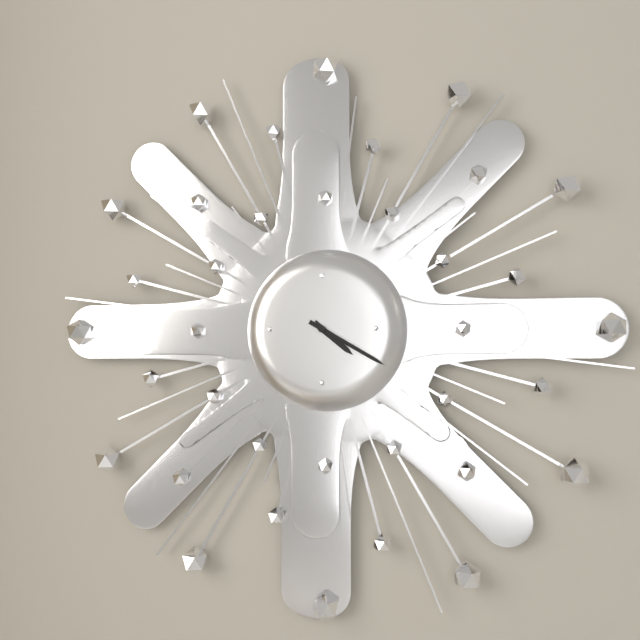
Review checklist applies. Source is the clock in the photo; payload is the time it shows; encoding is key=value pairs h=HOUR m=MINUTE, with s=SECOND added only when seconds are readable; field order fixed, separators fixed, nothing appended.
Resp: h=4 m=20
